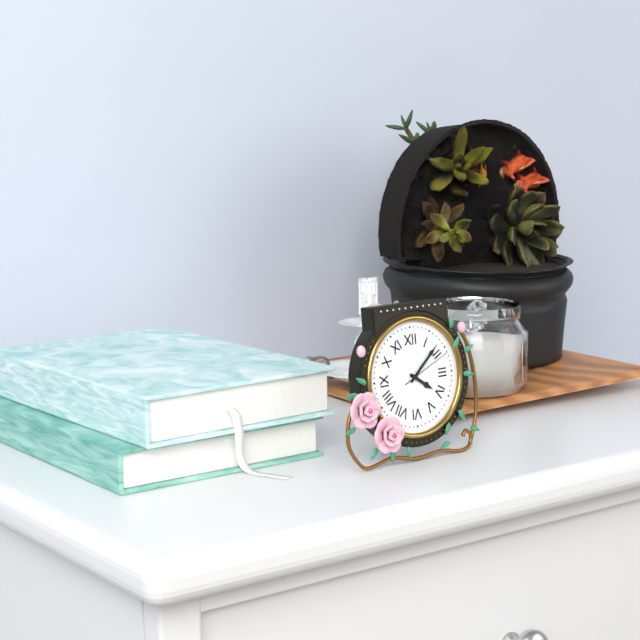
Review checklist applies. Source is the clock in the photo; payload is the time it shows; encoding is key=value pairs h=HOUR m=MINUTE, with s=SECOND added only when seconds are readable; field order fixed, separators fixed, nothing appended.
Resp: h=4 m=8 s=11
